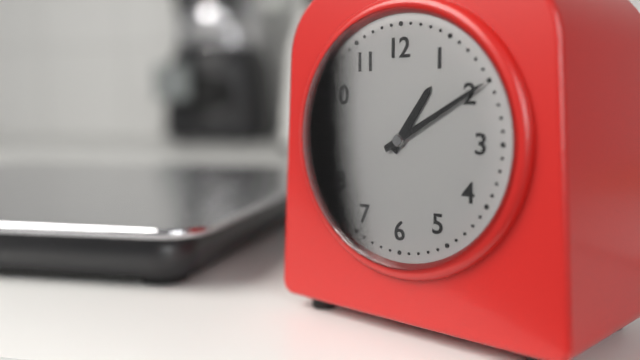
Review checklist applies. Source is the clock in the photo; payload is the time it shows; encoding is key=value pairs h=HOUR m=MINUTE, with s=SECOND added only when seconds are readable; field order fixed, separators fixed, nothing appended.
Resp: h=1 m=10
